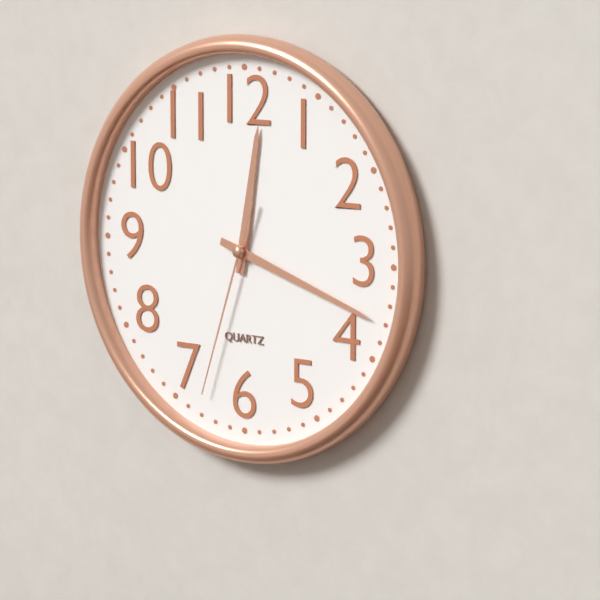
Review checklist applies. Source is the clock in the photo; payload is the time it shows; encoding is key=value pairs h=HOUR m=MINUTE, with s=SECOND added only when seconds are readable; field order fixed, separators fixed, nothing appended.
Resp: h=12 m=18 s=33
